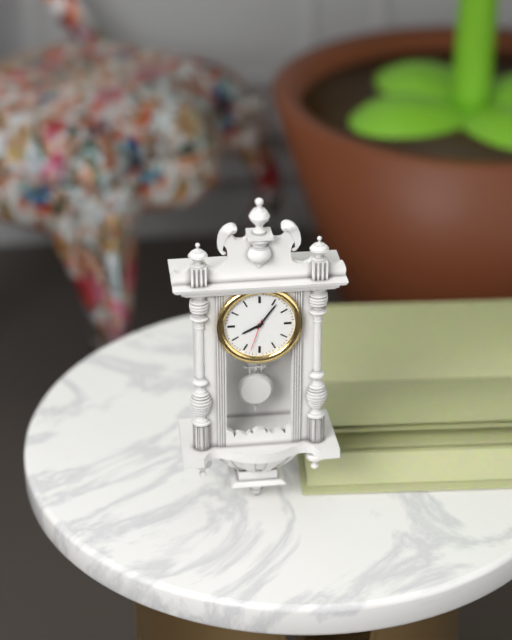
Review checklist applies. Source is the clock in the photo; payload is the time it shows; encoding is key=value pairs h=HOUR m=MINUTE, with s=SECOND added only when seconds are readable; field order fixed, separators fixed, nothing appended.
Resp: h=8 m=6
